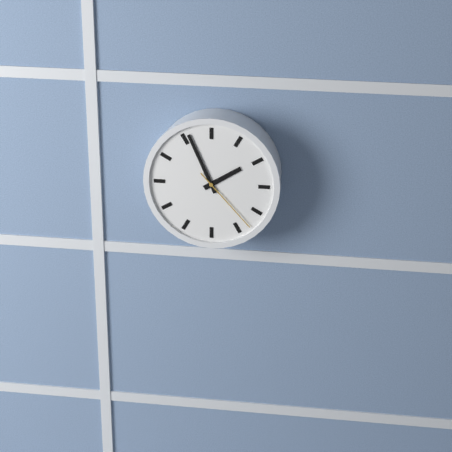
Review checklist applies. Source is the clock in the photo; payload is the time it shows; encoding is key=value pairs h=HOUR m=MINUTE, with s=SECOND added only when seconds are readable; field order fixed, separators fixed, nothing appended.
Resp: h=1 m=56 s=23
